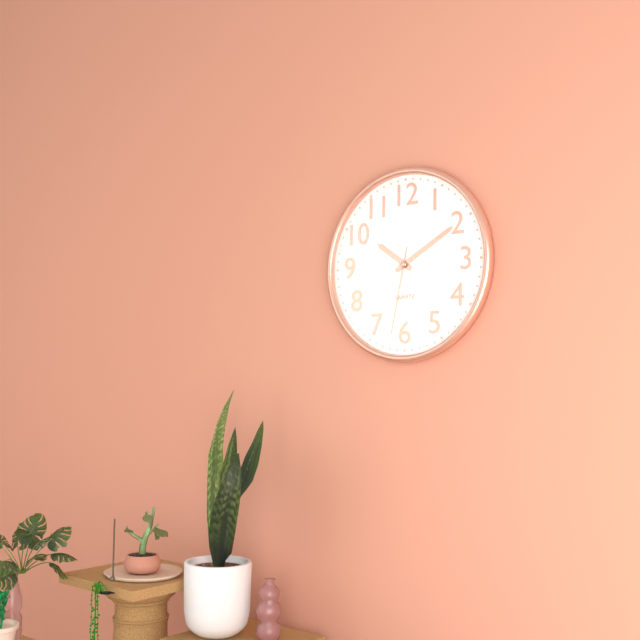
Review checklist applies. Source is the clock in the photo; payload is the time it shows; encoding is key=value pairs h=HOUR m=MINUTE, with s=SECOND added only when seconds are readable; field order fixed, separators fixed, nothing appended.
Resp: h=10 m=10 s=32
